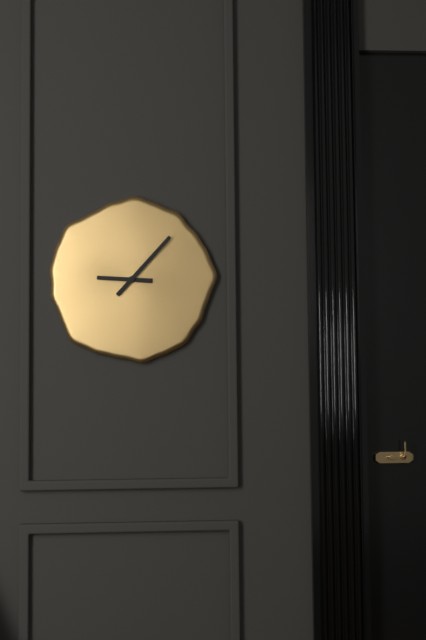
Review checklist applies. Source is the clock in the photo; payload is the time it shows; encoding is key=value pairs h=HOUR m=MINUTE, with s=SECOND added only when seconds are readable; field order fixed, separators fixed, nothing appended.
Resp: h=9 m=7
